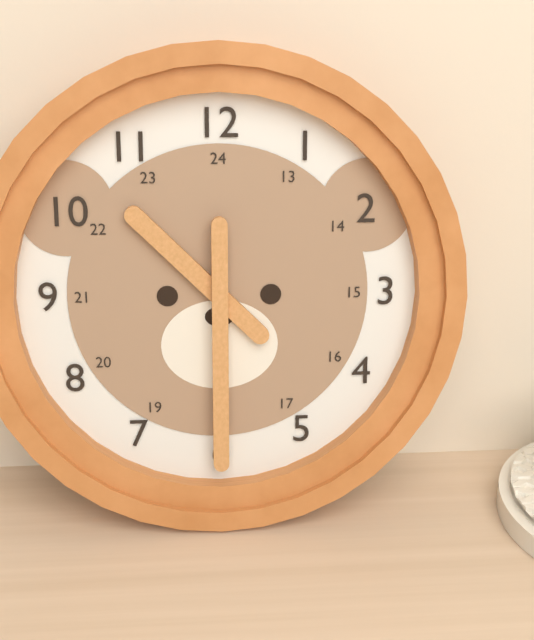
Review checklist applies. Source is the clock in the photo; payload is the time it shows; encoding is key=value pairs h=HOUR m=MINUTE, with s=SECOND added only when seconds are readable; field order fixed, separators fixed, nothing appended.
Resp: h=10 m=30
